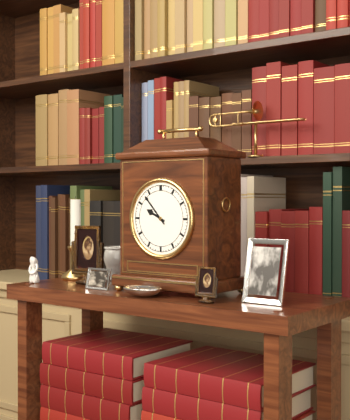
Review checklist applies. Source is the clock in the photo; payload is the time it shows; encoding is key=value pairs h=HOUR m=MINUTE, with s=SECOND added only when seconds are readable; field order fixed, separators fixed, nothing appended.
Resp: h=9 m=53
